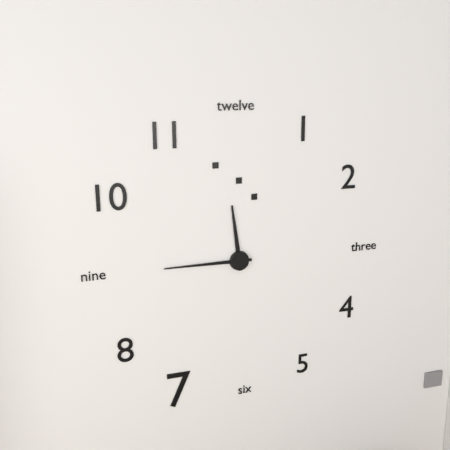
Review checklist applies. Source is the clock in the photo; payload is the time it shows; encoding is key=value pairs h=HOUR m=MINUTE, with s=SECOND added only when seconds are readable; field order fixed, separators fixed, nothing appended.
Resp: h=11 m=45
